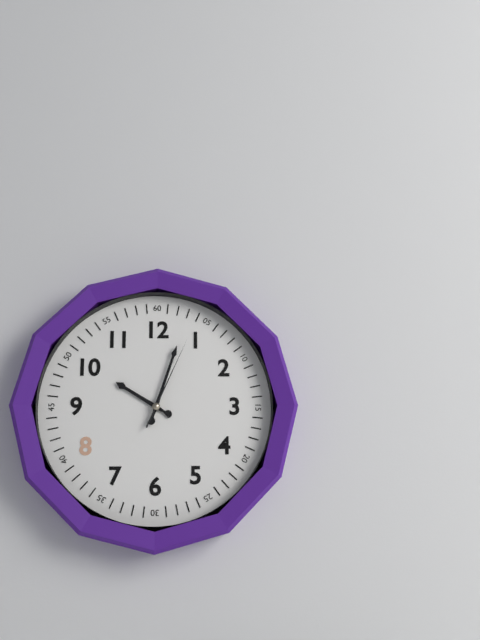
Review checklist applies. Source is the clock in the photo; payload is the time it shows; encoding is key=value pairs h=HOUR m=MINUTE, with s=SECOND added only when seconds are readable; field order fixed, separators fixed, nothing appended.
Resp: h=10 m=3 s=4
